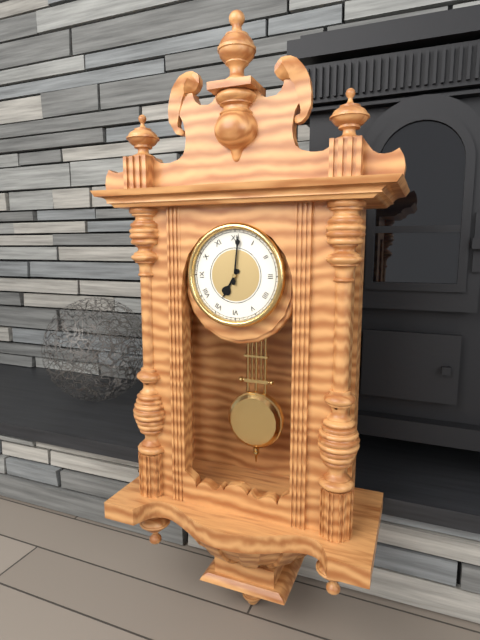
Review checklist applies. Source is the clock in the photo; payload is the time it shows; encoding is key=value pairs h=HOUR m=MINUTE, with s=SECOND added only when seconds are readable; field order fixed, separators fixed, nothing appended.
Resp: h=7 m=1
